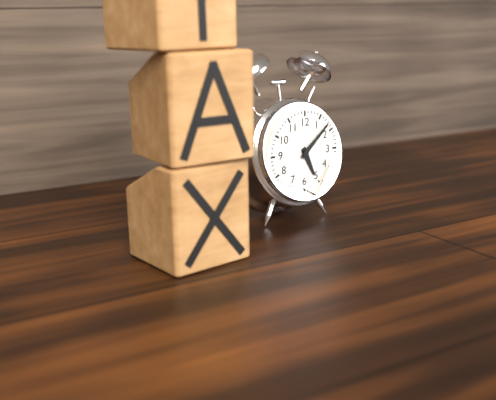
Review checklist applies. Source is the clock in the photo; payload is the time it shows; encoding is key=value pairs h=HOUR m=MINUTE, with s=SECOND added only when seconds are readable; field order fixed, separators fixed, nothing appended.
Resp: h=5 m=8
